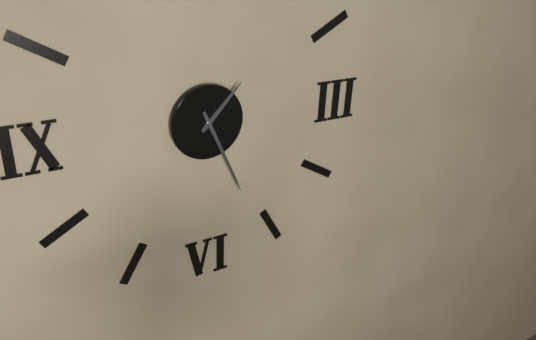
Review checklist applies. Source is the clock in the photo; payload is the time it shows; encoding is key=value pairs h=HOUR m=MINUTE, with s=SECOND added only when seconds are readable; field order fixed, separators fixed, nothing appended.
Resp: h=1 m=26
